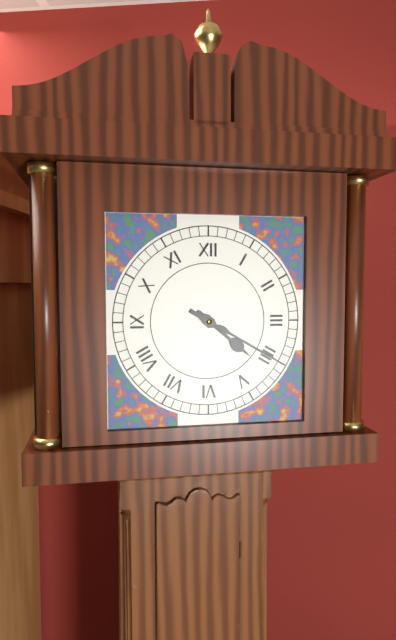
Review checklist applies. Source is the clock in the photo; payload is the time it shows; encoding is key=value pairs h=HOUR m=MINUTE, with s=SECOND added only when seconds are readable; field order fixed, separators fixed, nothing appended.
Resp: h=4 m=20
